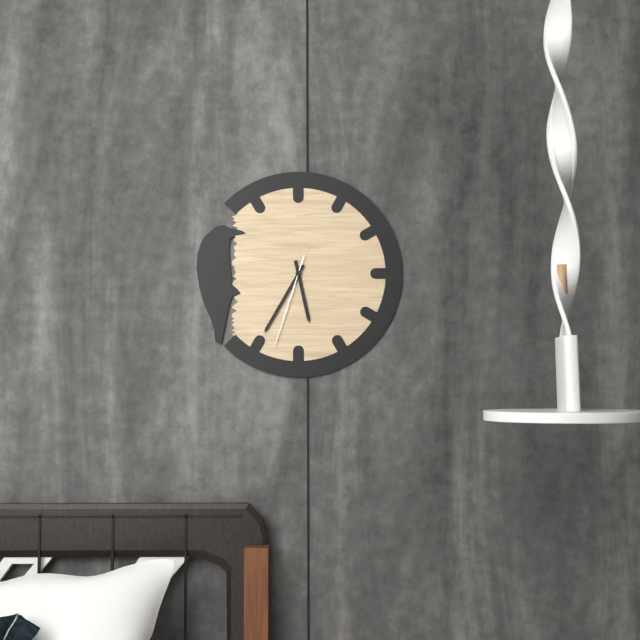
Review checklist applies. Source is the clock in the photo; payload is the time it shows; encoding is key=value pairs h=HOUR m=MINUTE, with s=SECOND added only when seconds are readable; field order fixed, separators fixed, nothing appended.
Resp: h=5 m=35 s=33
